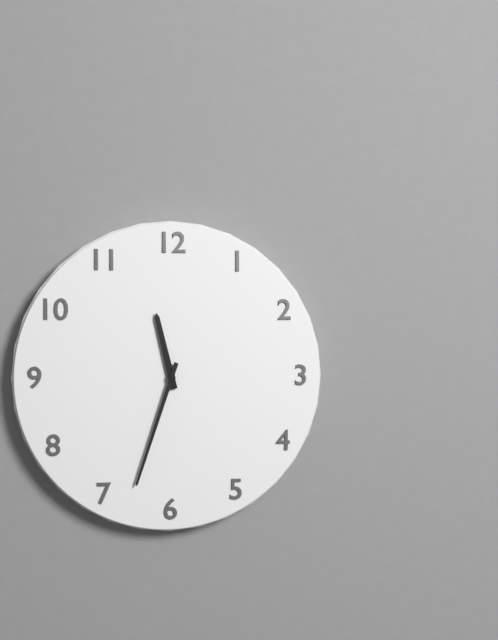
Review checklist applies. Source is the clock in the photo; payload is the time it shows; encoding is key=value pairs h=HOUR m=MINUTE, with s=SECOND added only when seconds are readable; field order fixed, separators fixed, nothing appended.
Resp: h=11 m=33
